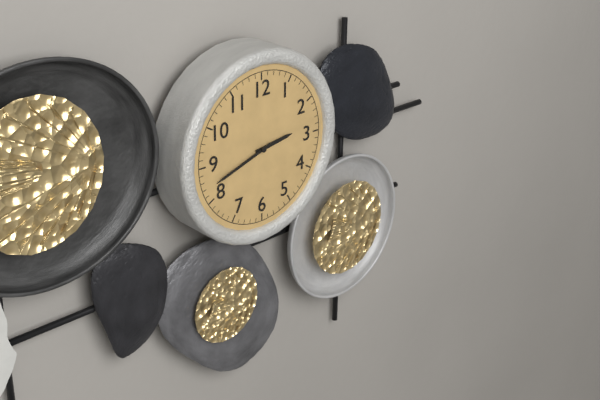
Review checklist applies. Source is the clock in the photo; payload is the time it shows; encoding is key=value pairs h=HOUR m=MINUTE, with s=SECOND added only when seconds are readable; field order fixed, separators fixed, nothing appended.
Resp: h=2 m=42
